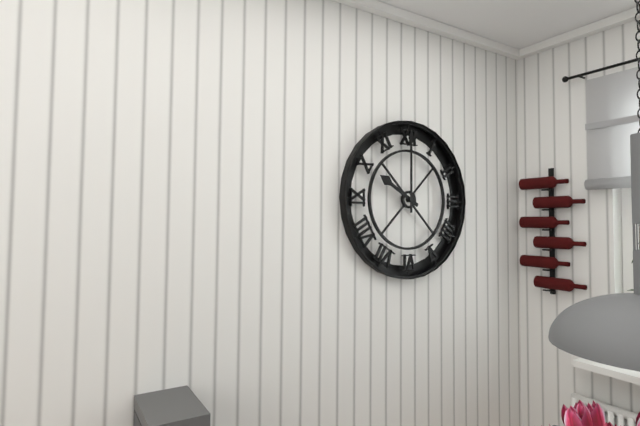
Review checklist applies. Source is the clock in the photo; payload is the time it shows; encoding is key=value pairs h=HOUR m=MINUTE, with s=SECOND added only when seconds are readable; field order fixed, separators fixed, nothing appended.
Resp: h=10 m=0
